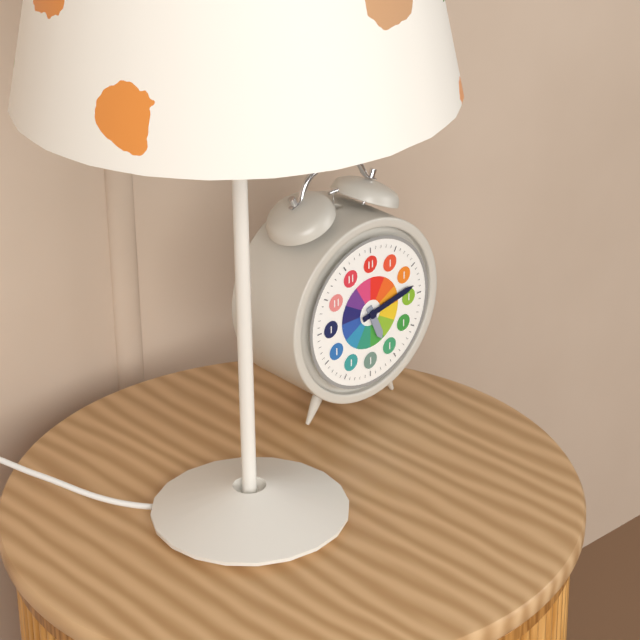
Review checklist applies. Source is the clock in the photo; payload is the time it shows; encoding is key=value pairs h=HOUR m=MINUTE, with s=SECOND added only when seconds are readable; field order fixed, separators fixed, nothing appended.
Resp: h=5 m=13
